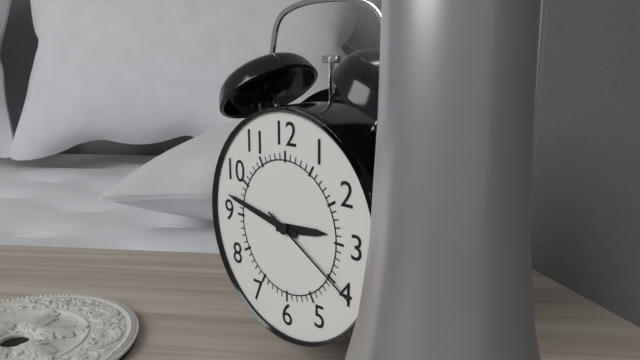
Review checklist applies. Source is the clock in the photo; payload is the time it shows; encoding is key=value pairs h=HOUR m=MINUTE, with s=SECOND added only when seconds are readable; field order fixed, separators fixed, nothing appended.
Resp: h=2 m=47 s=20
